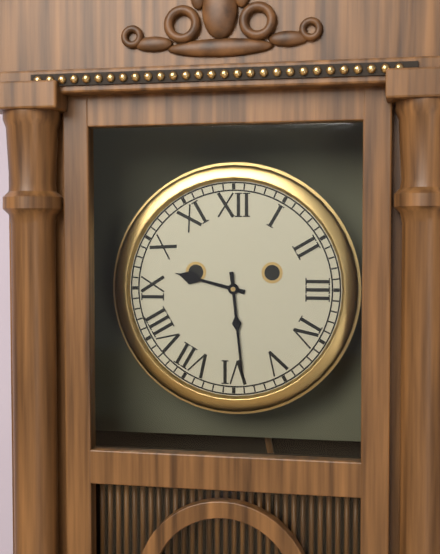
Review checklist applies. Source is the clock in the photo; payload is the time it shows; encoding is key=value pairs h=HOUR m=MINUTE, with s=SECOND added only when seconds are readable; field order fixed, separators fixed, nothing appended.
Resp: h=9 m=29
